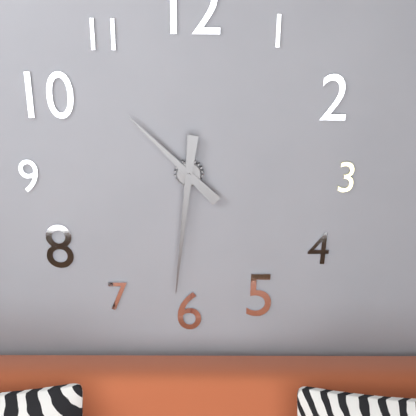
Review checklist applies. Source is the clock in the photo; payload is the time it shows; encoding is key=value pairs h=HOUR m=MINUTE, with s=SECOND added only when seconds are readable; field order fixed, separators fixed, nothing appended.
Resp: h=10 m=31
